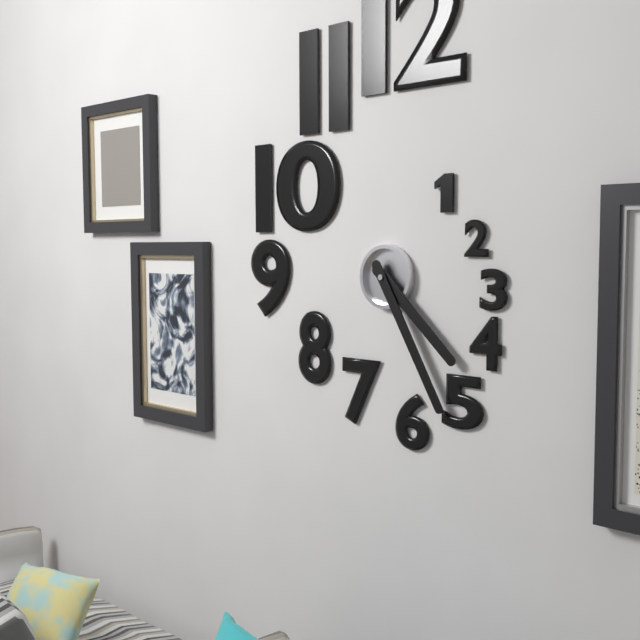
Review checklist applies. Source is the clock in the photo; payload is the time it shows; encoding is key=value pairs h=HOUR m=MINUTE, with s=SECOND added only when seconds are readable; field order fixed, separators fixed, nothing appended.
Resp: h=4 m=25
